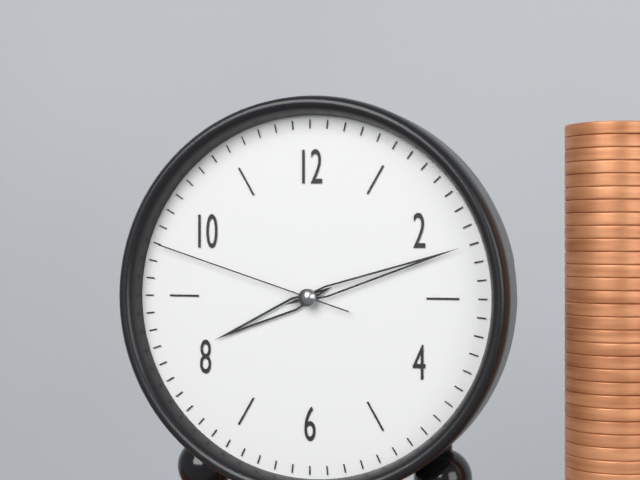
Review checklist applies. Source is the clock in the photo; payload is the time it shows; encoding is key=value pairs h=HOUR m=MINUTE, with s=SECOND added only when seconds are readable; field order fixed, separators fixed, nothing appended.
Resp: h=8 m=12 s=48
